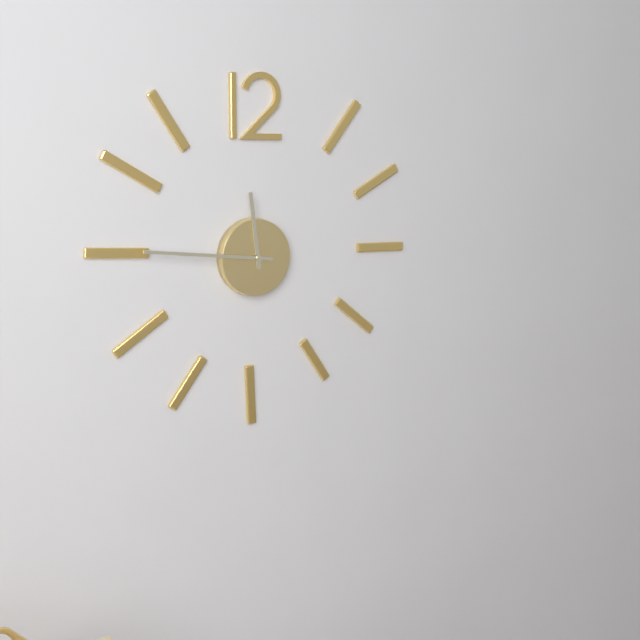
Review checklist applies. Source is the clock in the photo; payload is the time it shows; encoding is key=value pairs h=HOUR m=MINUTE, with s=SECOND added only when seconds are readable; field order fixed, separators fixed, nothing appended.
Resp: h=11 m=46
